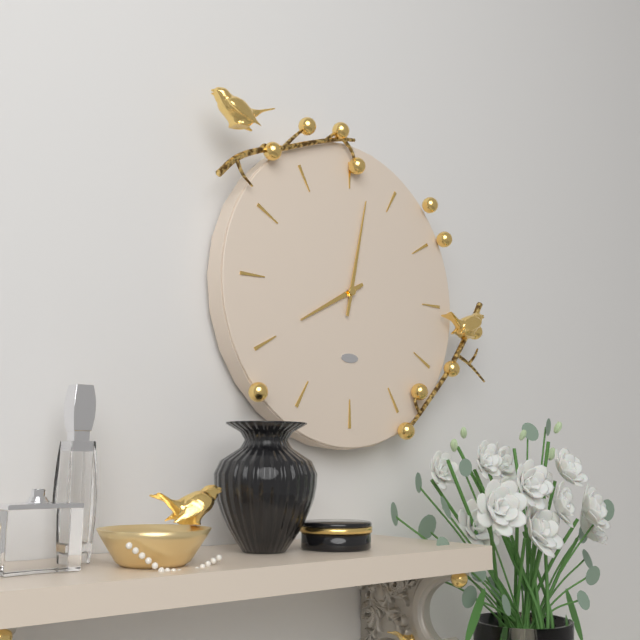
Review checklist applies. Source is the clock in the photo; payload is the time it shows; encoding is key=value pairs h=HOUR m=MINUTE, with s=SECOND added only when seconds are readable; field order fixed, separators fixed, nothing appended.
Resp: h=8 m=2
